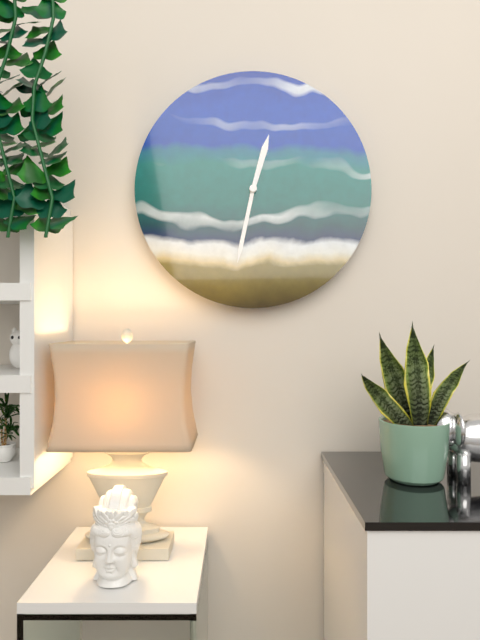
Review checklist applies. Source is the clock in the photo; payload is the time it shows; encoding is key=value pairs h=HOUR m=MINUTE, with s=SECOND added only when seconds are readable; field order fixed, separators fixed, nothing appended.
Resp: h=12 m=32
